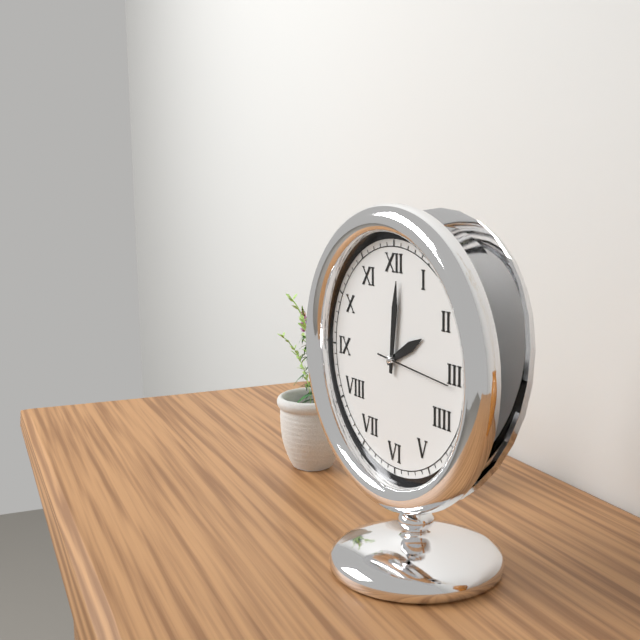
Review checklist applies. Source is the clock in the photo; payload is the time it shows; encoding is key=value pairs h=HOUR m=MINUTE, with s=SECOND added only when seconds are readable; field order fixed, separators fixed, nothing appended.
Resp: h=2 m=1 s=16
